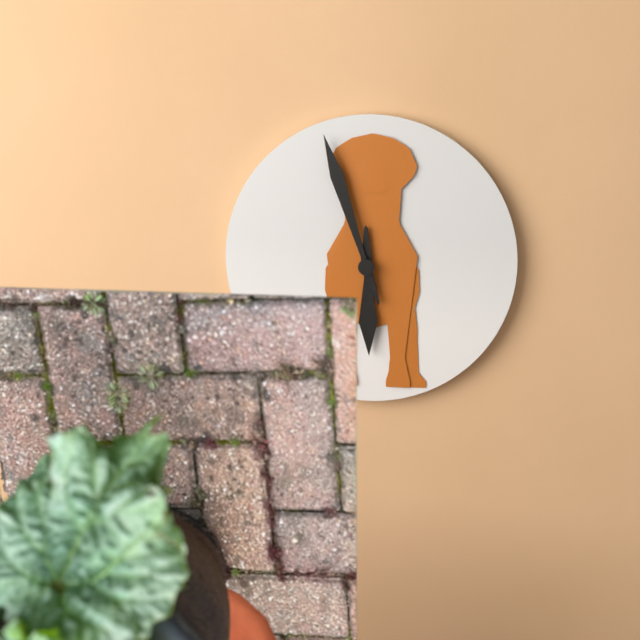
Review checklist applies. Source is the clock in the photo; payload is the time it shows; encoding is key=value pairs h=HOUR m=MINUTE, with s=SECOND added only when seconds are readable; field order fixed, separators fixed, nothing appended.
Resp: h=5 m=57
